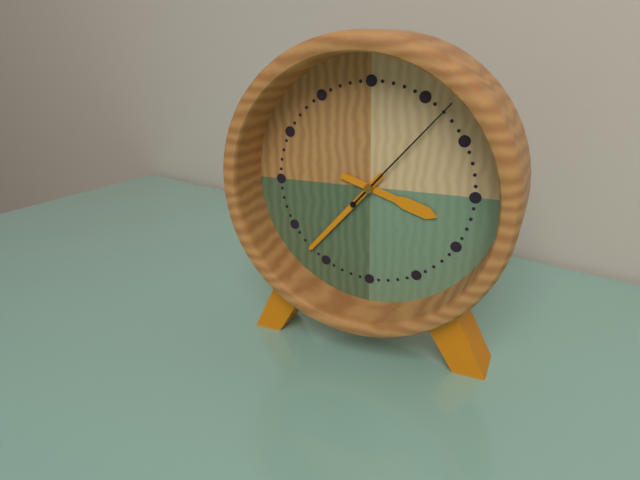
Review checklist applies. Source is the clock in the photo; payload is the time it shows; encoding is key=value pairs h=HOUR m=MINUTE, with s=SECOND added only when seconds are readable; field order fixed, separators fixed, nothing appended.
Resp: h=3 m=37 s=7
